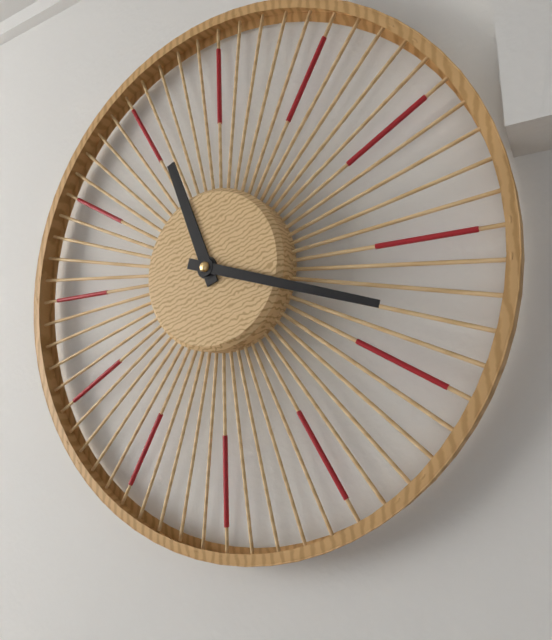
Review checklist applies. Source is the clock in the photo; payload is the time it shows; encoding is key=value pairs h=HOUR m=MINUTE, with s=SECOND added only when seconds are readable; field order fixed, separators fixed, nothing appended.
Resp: h=11 m=18
